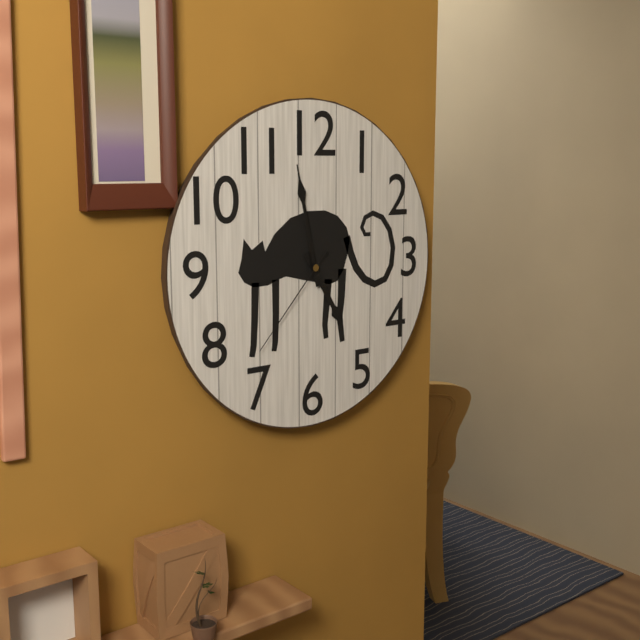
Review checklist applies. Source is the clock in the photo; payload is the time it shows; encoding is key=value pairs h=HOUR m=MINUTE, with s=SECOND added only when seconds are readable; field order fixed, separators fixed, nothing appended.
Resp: h=4 m=58 s=37
